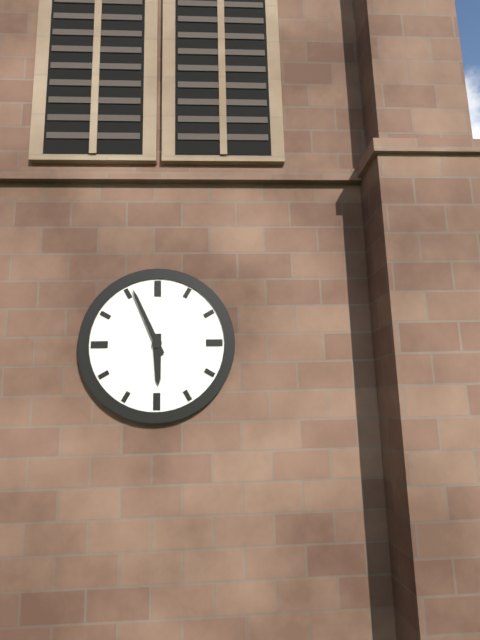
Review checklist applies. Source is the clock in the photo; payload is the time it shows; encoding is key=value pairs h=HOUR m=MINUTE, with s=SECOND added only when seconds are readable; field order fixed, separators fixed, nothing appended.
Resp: h=5 m=56
